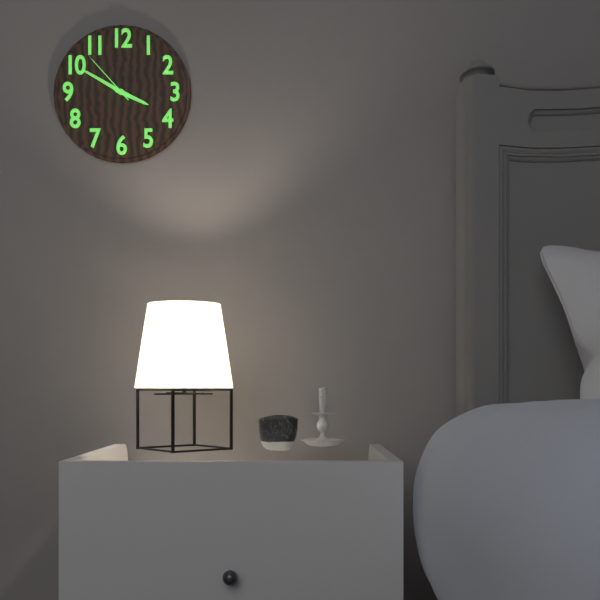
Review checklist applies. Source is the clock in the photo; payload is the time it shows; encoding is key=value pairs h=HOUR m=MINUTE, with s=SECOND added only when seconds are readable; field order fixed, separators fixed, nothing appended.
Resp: h=3 m=50 s=53
